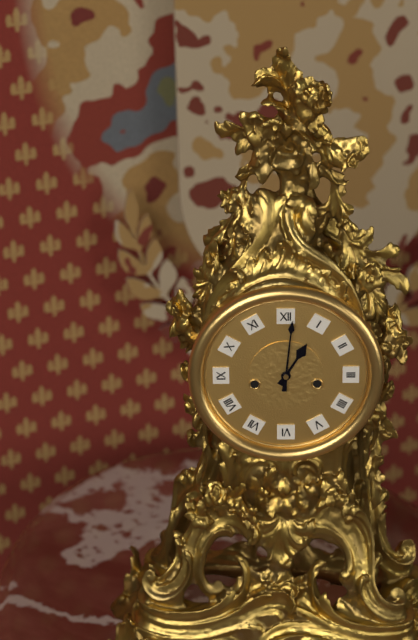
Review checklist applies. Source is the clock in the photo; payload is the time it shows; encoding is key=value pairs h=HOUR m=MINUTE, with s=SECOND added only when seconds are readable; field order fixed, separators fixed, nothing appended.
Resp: h=1 m=1
